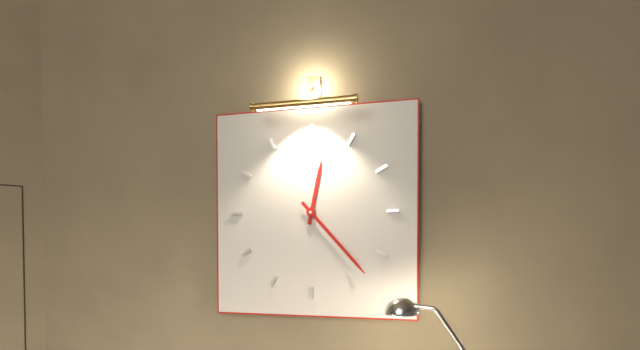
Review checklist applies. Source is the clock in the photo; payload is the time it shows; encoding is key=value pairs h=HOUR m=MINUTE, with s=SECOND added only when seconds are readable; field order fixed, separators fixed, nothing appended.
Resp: h=12 m=23
